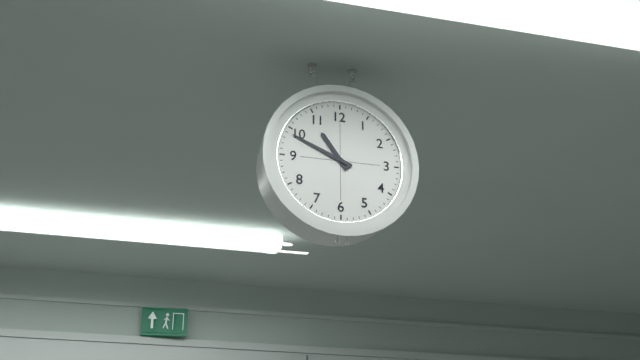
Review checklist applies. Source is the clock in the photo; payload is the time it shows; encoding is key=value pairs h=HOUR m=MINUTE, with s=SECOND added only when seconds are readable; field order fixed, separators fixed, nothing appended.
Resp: h=10 m=49
